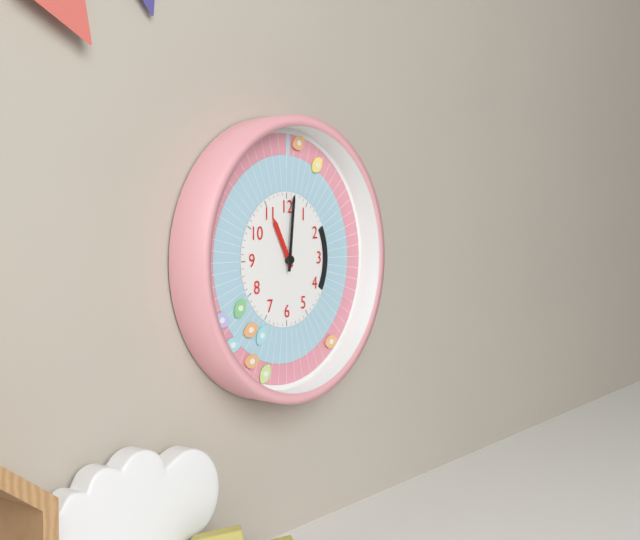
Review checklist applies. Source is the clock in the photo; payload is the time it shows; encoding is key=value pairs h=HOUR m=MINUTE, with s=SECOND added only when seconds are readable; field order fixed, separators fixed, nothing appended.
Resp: h=11 m=1
